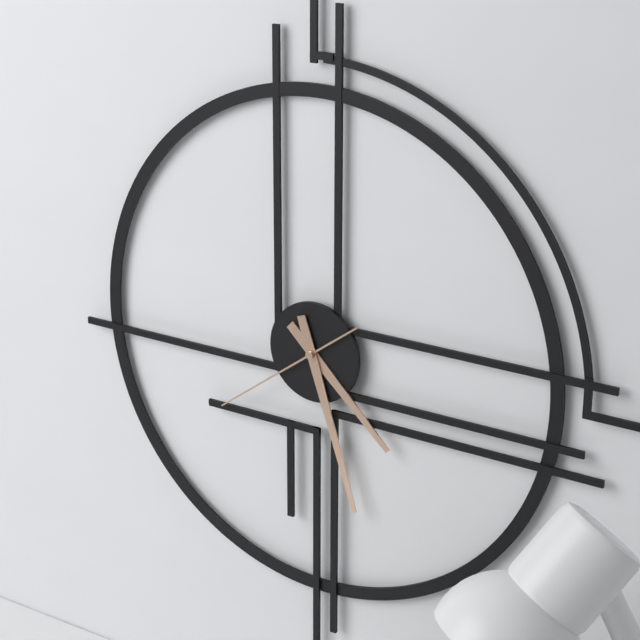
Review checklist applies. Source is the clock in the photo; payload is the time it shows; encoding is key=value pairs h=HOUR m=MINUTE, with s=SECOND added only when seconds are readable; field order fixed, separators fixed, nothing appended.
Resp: h=4 m=27 s=39
